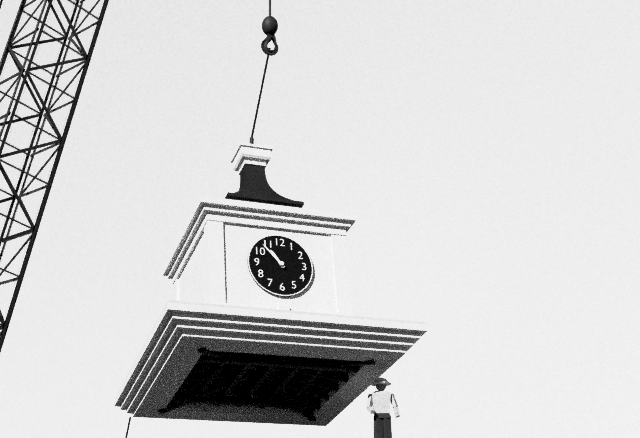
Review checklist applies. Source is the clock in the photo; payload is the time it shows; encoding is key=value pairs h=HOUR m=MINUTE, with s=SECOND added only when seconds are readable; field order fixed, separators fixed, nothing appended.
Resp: h=10 m=53
